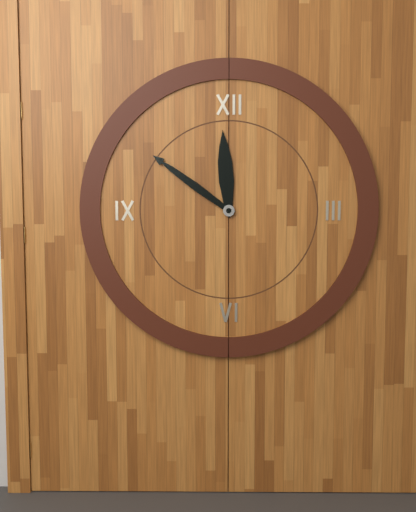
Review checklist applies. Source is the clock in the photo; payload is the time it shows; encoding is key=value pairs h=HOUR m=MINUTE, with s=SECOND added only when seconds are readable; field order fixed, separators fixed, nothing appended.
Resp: h=11 m=51
